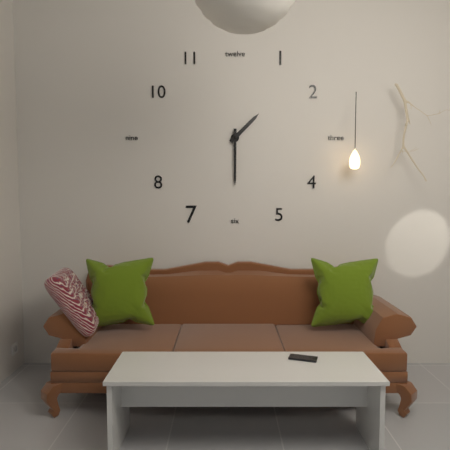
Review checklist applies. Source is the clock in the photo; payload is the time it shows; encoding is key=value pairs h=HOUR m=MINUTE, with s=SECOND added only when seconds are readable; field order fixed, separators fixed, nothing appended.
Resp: h=1 m=30
